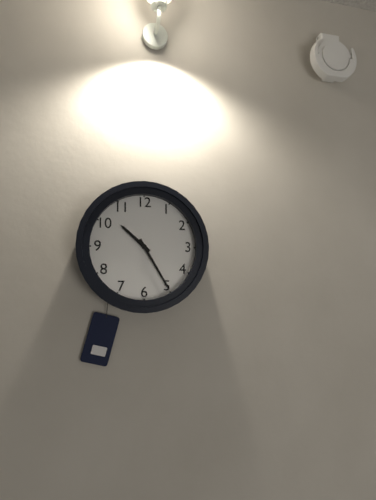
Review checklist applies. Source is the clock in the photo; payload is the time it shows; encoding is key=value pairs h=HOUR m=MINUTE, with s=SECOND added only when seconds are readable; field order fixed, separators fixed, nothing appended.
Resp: h=10 m=25
